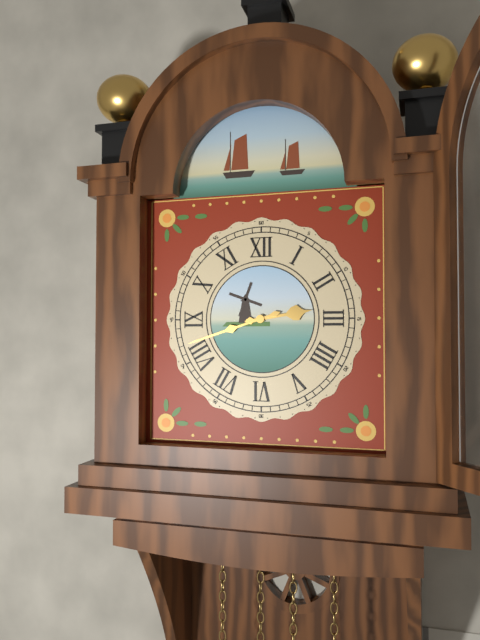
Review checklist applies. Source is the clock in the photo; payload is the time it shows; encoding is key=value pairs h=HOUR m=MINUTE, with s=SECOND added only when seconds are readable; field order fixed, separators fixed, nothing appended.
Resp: h=2 m=42
